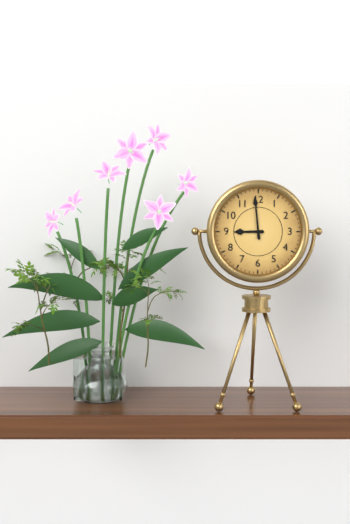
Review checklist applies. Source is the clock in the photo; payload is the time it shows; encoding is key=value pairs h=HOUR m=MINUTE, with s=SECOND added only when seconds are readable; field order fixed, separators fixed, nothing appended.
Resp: h=8 m=59
